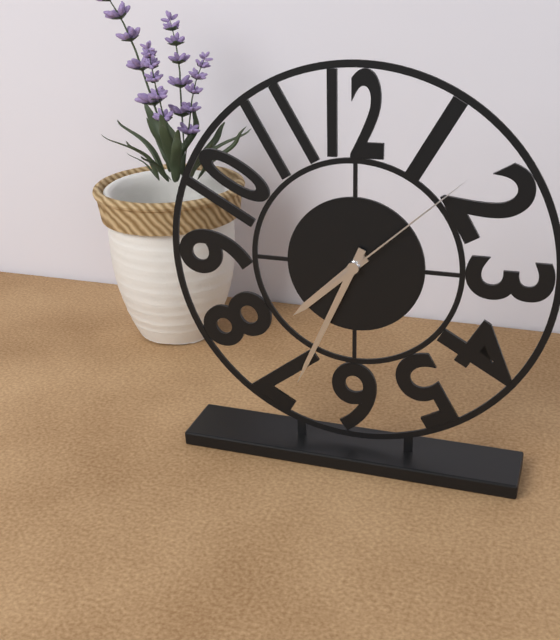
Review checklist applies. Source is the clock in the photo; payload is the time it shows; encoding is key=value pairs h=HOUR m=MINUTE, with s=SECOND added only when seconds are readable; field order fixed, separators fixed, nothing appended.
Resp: h=7 m=34 s=8
